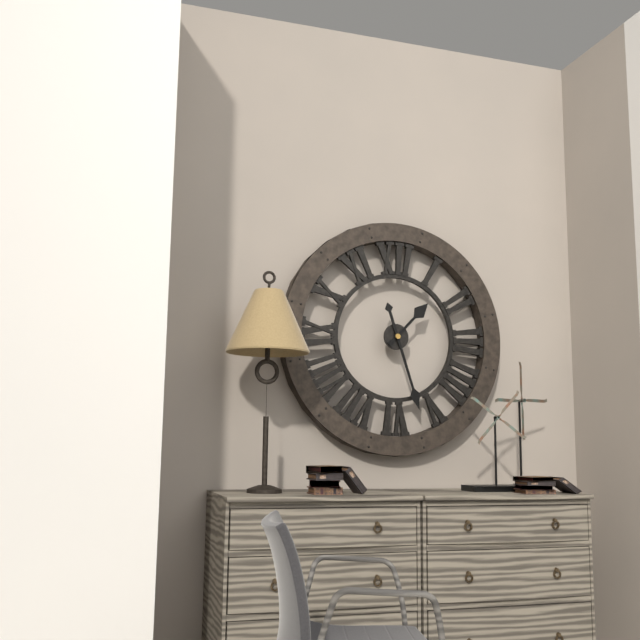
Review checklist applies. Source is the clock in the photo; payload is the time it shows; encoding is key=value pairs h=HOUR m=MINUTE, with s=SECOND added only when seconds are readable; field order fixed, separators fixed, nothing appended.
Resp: h=1 m=27
